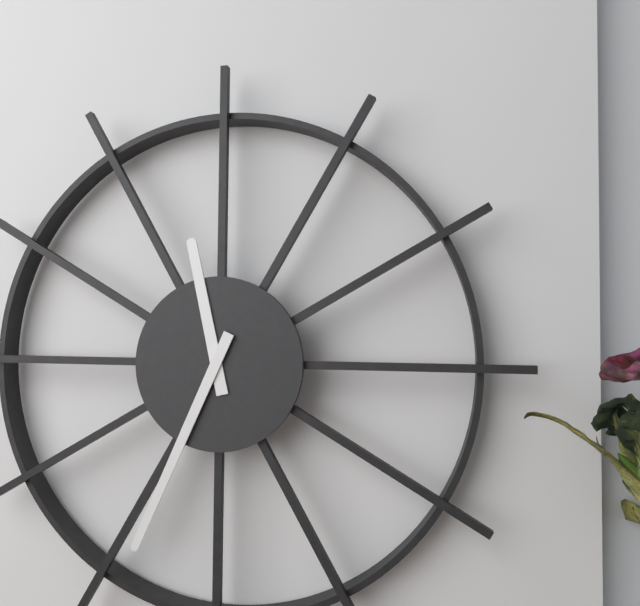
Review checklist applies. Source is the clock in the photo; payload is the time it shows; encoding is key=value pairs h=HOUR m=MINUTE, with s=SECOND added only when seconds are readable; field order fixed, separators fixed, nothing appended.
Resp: h=11 m=34
